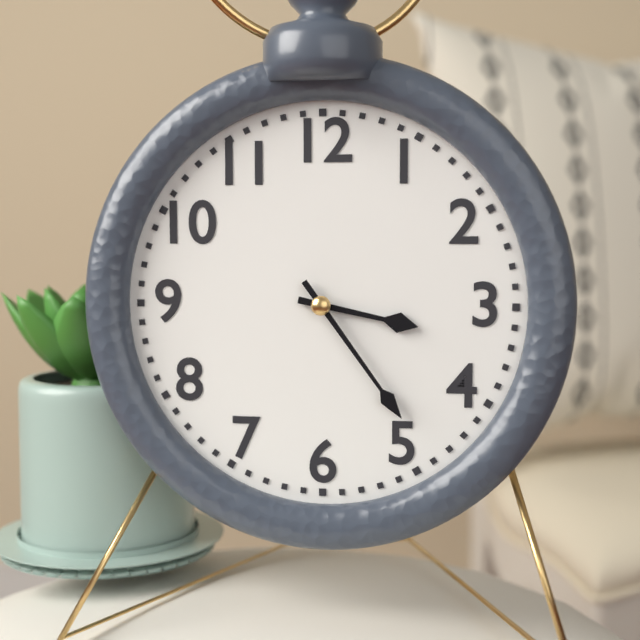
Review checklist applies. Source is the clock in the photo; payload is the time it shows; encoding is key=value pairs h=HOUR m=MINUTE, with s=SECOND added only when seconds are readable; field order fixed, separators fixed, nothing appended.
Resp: h=3 m=24
